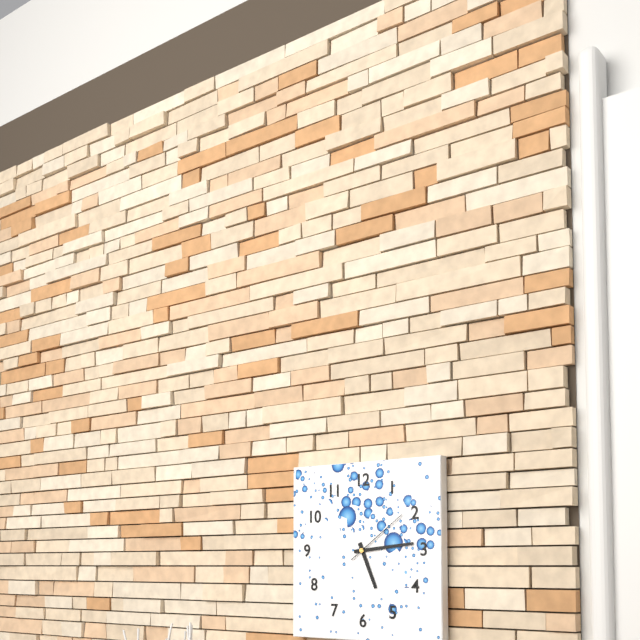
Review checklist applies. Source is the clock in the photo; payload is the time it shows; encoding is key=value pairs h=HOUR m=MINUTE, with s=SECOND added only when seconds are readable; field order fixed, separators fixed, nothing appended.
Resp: h=5 m=14 s=9
